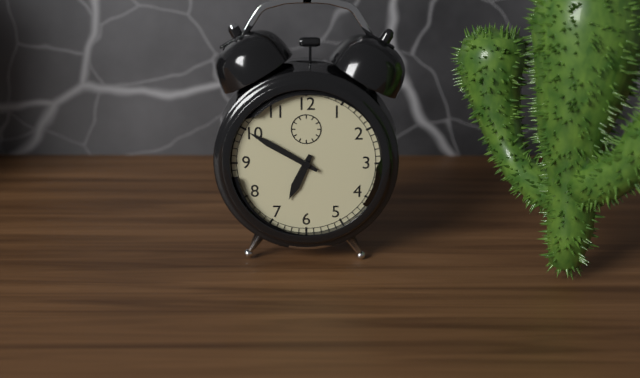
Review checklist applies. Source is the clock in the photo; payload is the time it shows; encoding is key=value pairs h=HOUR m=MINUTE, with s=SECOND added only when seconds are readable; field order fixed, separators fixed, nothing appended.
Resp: h=6 m=50
